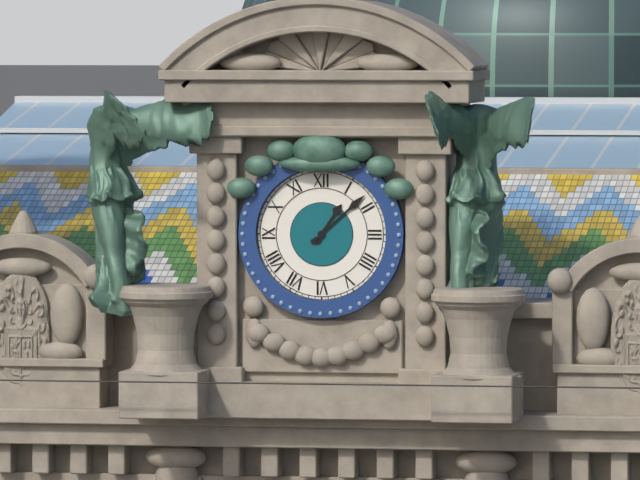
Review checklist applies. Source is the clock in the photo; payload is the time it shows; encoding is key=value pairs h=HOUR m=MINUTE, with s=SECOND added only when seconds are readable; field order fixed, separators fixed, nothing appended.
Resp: h=1 m=8
